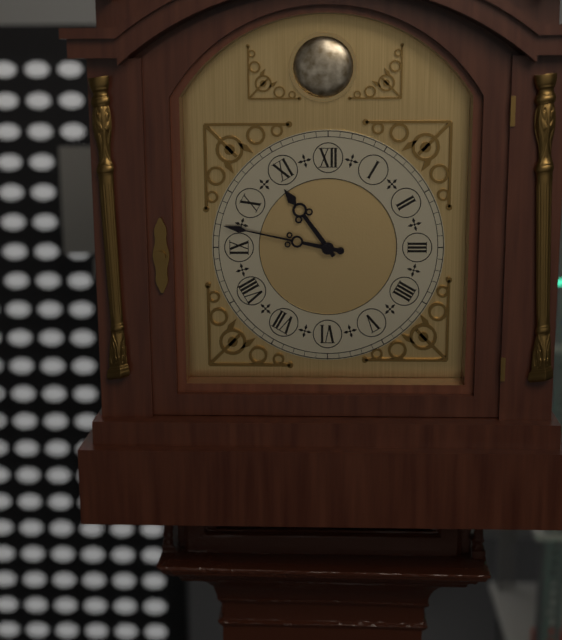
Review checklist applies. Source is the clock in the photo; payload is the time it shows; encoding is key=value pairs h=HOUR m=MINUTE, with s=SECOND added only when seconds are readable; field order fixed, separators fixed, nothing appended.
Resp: h=10 m=47
